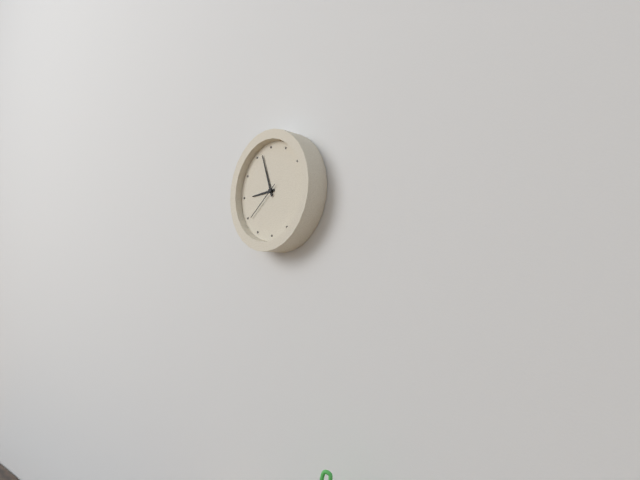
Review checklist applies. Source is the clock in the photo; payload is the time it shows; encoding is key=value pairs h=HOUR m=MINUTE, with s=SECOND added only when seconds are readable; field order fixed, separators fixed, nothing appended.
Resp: h=8 m=57
